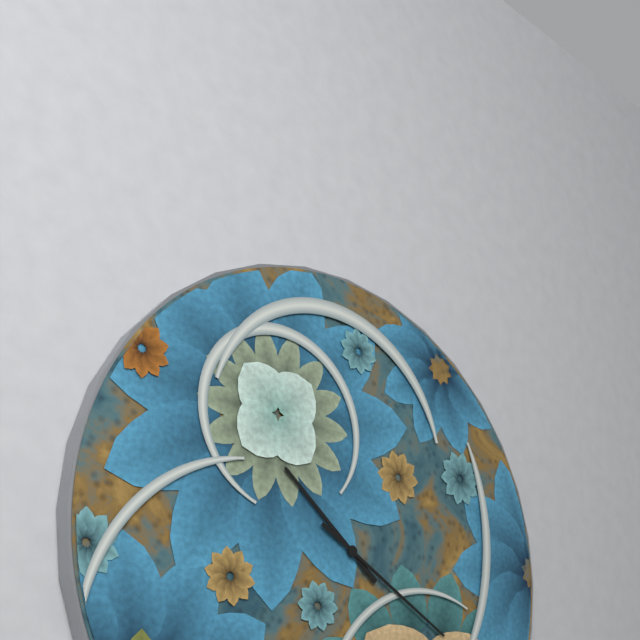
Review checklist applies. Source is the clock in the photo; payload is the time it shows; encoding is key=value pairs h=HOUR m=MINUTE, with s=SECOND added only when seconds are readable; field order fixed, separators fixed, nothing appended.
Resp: h=10 m=20
